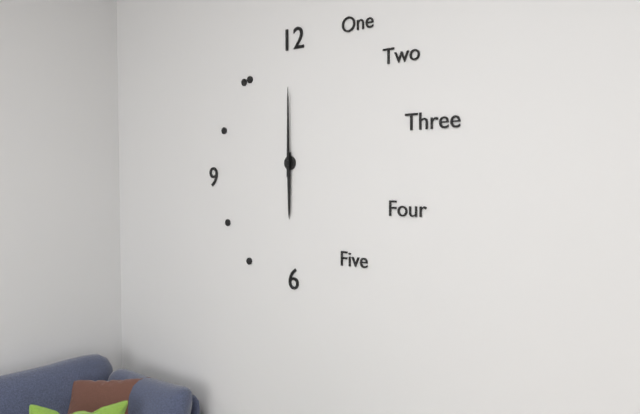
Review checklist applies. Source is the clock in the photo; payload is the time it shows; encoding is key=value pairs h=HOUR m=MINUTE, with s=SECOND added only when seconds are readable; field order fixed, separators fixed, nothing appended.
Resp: h=6 m=0
